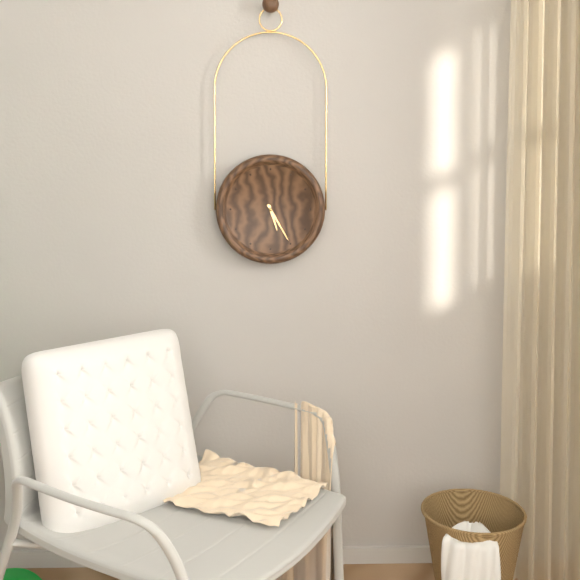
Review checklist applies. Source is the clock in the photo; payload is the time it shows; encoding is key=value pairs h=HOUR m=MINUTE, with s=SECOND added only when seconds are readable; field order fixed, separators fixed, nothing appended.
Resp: h=5 m=25
